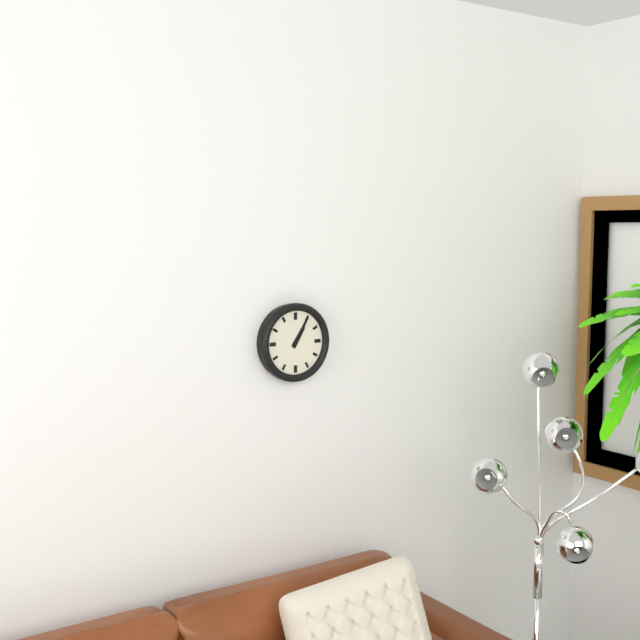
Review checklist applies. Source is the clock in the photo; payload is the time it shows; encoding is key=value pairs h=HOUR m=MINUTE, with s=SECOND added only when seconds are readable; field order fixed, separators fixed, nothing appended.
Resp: h=1 m=5
